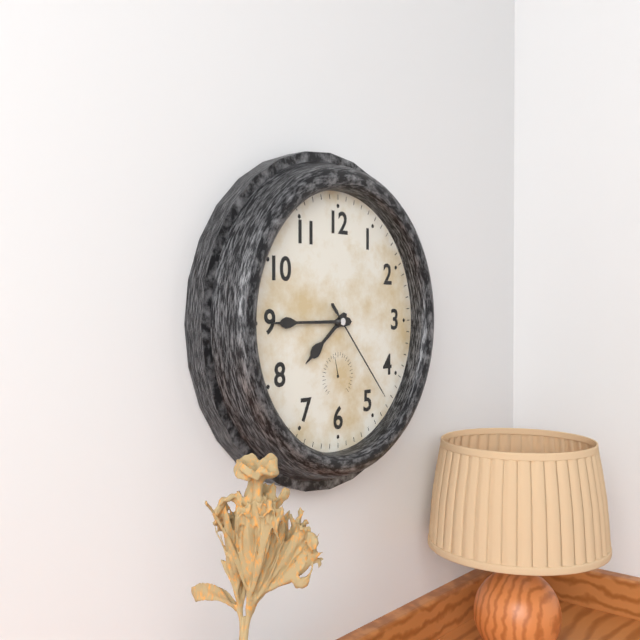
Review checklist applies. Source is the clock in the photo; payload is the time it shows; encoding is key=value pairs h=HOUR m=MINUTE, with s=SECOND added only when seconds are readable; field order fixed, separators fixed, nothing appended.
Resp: h=7 m=45 s=23
